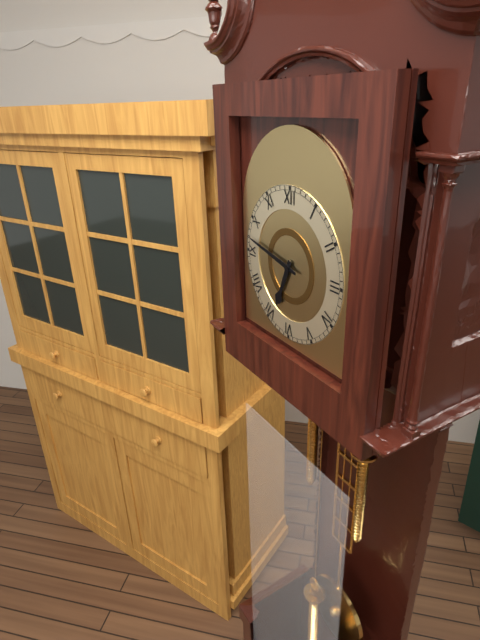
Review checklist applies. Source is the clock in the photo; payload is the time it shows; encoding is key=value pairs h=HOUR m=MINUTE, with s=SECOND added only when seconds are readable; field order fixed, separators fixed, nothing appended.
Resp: h=6 m=47
